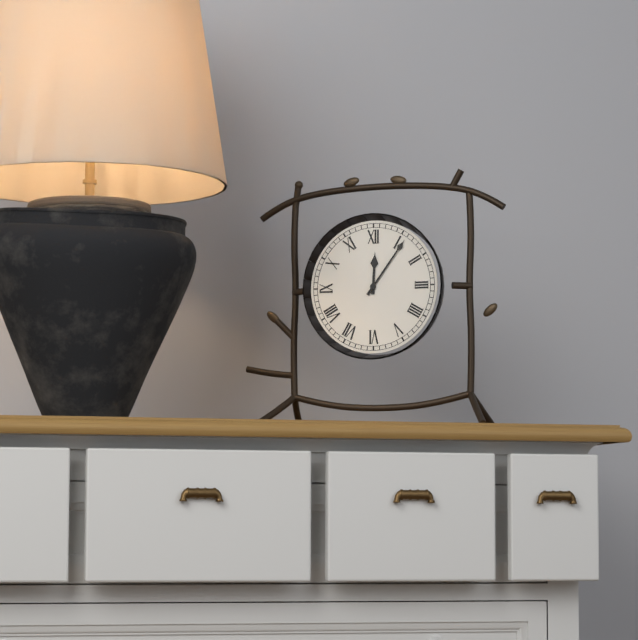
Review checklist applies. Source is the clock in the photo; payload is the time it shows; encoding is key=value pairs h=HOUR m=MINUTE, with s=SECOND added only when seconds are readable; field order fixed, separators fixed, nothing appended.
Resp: h=12 m=6
